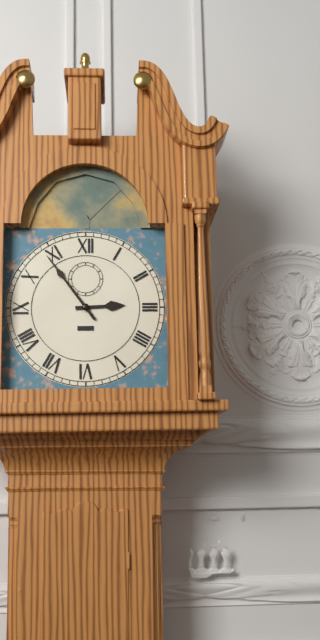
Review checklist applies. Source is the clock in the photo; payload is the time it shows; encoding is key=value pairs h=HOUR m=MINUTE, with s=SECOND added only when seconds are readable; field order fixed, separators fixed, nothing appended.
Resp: h=2 m=54
